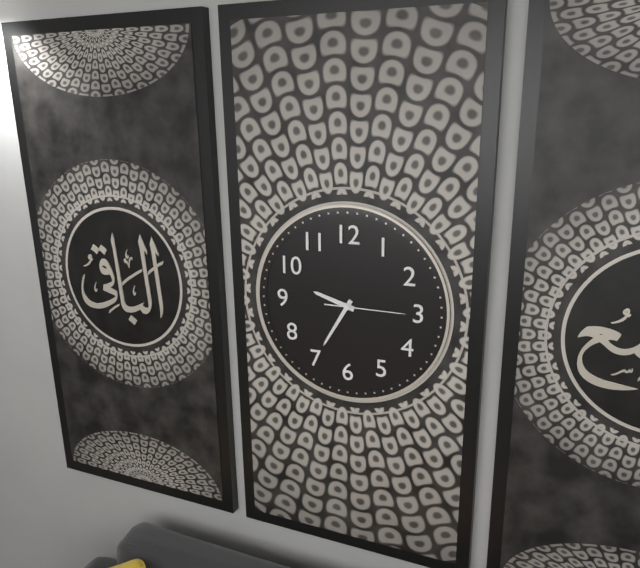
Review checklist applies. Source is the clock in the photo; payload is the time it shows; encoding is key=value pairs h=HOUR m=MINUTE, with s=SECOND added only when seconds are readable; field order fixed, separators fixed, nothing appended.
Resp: h=9 m=35 s=15
